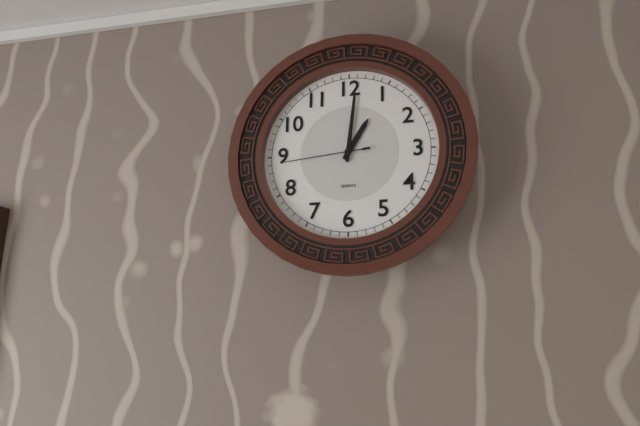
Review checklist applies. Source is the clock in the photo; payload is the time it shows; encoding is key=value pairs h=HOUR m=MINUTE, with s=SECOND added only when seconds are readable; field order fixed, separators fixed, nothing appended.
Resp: h=1 m=1 s=44
